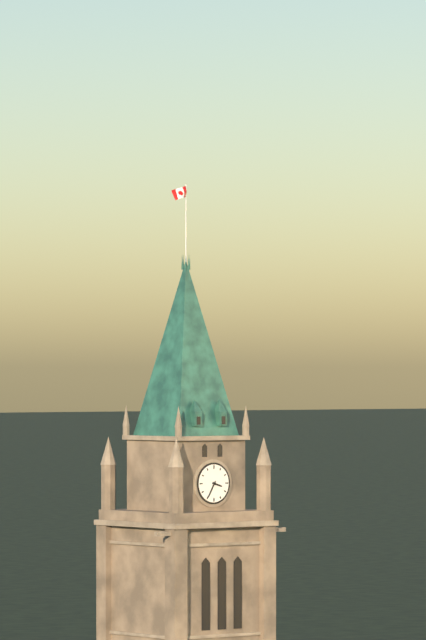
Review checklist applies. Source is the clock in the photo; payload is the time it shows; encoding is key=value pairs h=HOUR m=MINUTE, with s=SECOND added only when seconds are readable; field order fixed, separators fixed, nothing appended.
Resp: h=3 m=35
